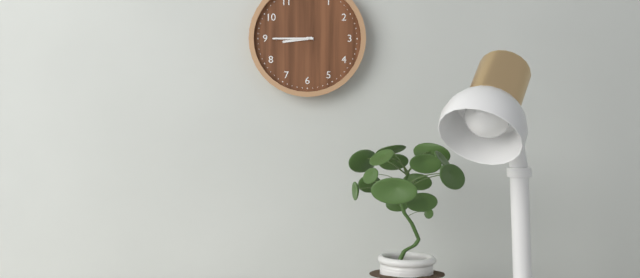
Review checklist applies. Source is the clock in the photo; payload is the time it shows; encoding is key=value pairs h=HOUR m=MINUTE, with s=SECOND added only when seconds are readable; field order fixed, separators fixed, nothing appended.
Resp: h=8 m=45
